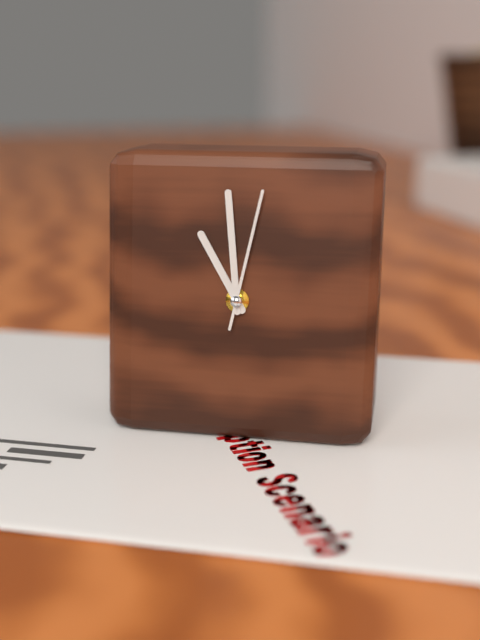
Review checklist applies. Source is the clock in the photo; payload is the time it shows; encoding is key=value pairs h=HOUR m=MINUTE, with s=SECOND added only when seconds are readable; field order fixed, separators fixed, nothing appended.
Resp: h=10 m=59 s=2
